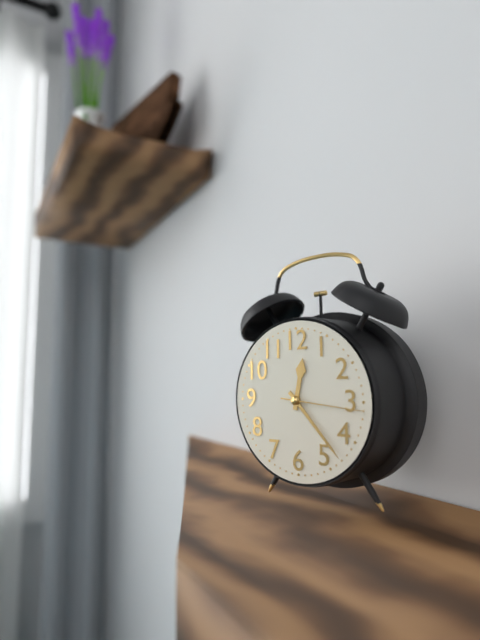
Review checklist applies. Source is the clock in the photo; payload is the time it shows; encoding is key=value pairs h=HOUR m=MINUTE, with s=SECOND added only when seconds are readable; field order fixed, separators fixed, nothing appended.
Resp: h=12 m=23 s=16
